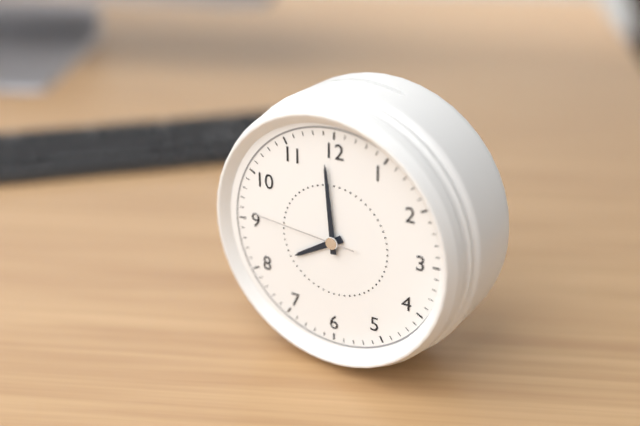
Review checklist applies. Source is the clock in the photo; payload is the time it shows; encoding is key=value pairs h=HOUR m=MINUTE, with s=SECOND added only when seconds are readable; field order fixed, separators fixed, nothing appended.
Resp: h=7 m=59 s=46
